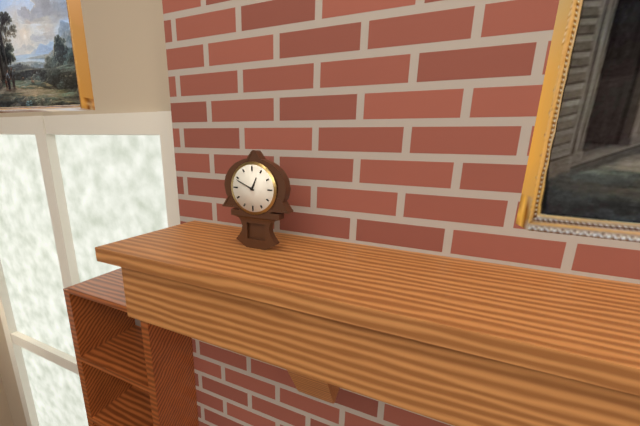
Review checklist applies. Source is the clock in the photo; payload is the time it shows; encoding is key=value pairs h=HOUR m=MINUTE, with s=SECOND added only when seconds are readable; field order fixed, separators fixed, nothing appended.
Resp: h=12 m=49
